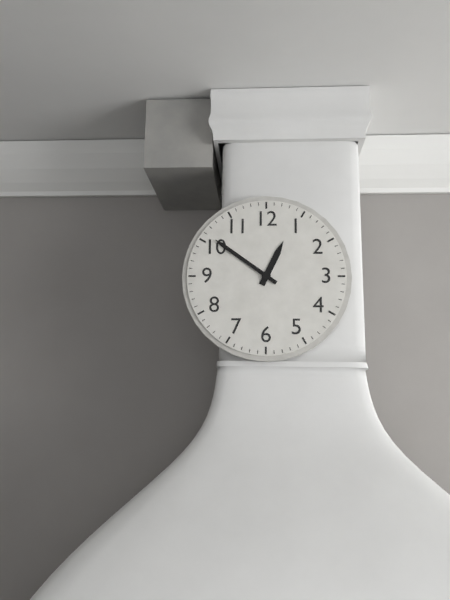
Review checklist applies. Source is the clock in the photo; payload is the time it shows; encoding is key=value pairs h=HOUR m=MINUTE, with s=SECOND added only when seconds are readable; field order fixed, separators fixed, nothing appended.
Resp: h=12 m=51
